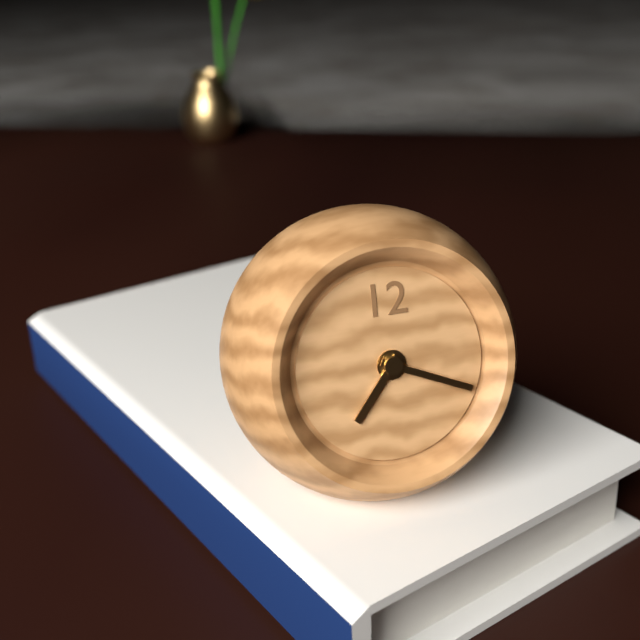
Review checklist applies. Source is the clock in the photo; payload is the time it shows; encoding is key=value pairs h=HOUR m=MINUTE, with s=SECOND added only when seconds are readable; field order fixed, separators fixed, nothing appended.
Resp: h=7 m=19
